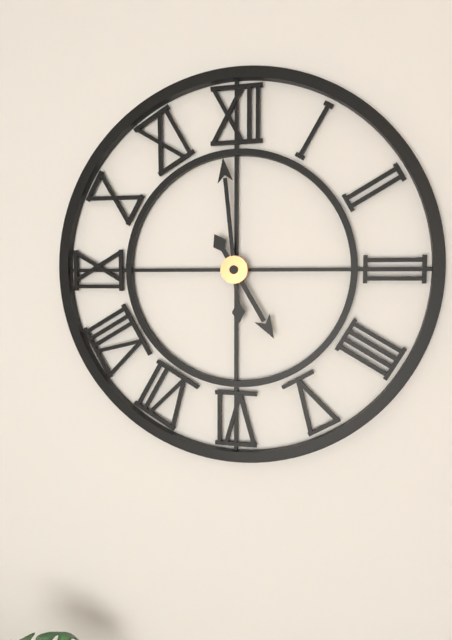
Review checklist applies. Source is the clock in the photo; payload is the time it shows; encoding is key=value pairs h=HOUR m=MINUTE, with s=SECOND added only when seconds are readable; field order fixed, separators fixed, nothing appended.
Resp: h=4 m=59
